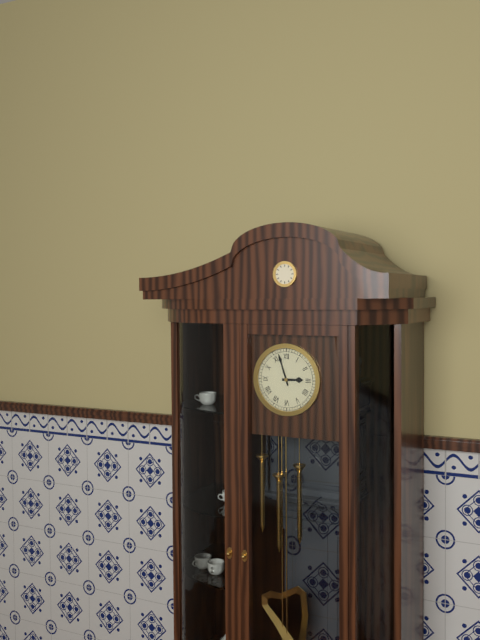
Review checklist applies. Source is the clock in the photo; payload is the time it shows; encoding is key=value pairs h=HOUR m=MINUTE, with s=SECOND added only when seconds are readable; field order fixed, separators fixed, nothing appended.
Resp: h=2 m=57
